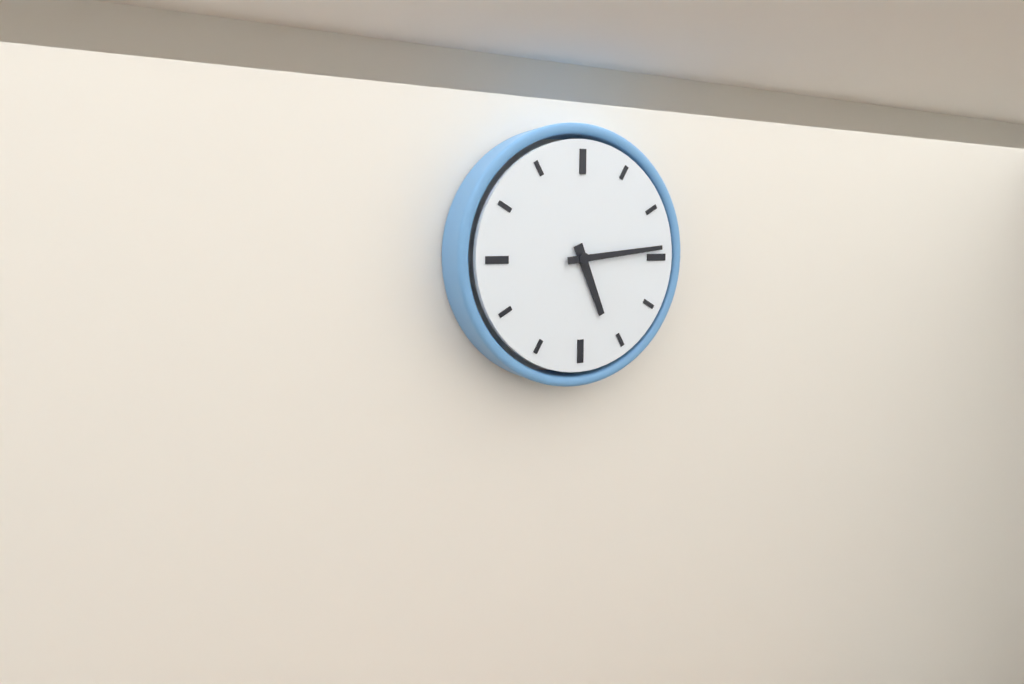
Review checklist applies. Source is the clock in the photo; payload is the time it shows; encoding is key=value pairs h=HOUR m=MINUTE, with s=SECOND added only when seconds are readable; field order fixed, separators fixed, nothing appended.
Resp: h=5 m=14
